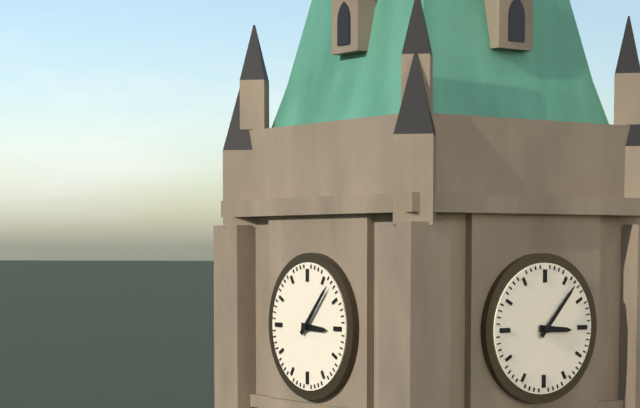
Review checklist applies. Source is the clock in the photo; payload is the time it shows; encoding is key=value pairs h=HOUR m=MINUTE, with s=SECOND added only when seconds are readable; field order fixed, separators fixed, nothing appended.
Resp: h=3 m=7
